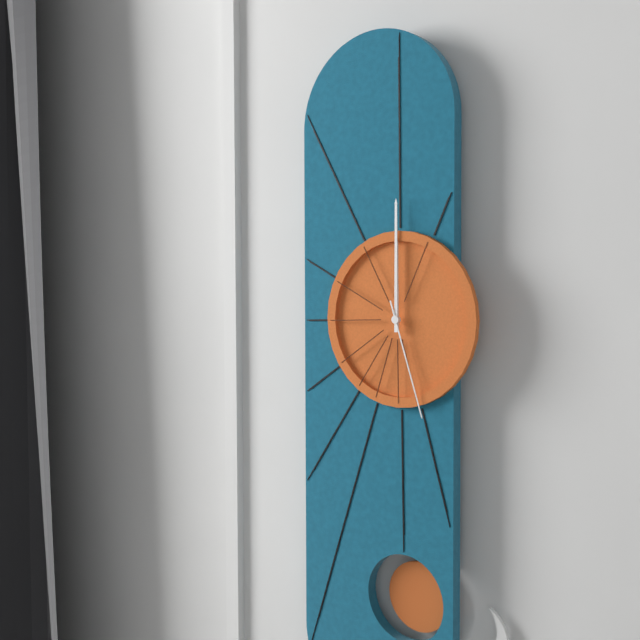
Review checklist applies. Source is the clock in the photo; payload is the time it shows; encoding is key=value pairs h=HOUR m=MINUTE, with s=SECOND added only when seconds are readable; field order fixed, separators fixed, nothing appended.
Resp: h=12 m=0 s=27
